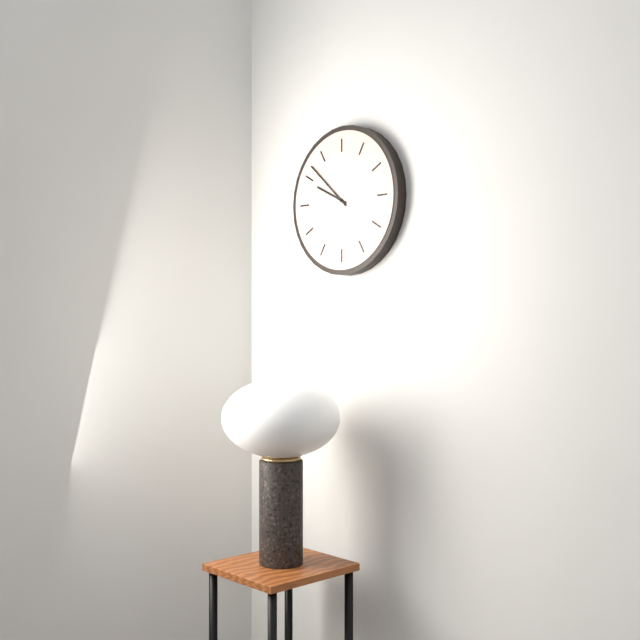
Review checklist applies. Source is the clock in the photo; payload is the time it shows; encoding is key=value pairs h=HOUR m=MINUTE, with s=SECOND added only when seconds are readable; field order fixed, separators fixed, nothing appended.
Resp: h=9 m=52
